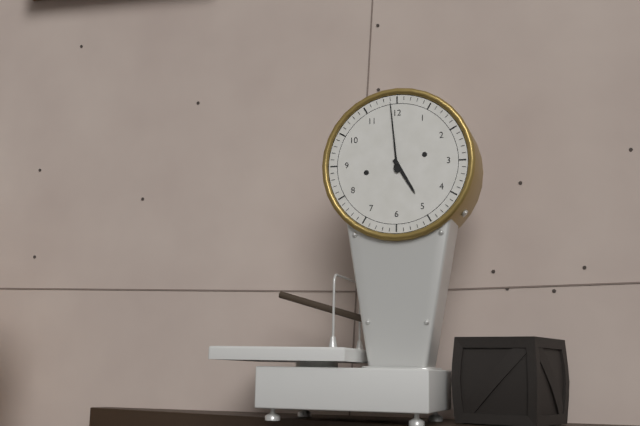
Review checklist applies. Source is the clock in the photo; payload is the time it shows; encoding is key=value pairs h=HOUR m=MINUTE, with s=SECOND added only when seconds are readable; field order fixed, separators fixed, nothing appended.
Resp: h=4 m=59
